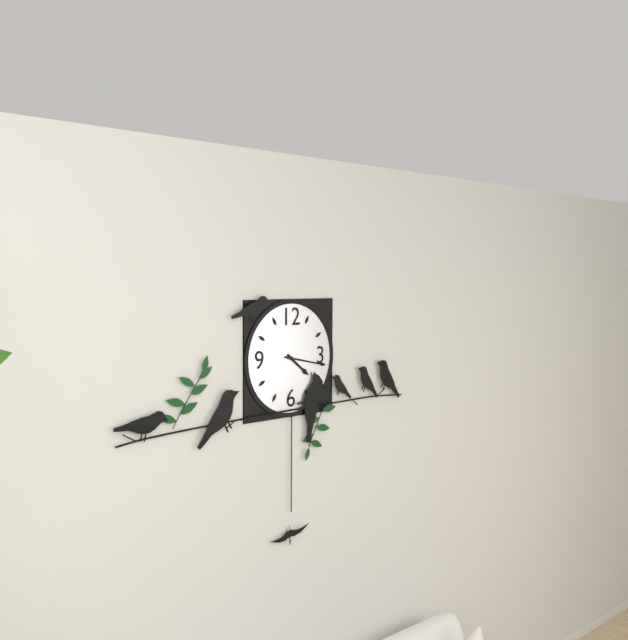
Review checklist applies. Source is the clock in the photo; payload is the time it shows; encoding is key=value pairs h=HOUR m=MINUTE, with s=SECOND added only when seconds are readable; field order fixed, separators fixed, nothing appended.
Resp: h=4 m=17
